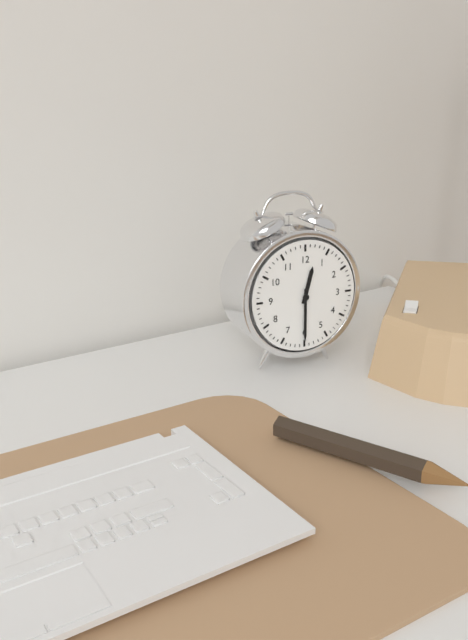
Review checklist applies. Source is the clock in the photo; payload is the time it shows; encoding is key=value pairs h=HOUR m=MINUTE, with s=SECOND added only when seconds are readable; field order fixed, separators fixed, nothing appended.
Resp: h=12 m=30
